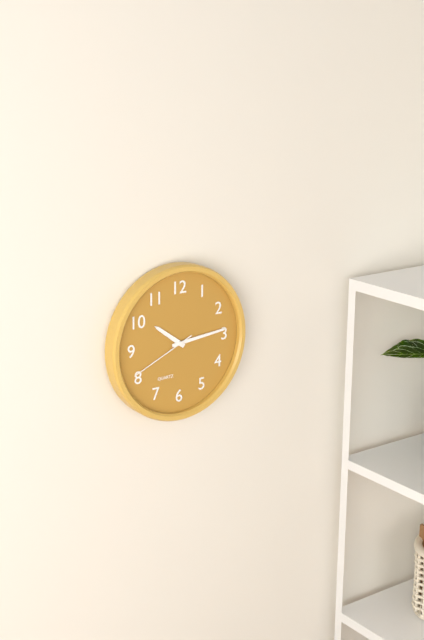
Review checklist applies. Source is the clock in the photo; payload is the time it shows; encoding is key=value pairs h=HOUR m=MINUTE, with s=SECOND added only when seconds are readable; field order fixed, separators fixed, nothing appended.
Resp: h=10 m=14 s=41
